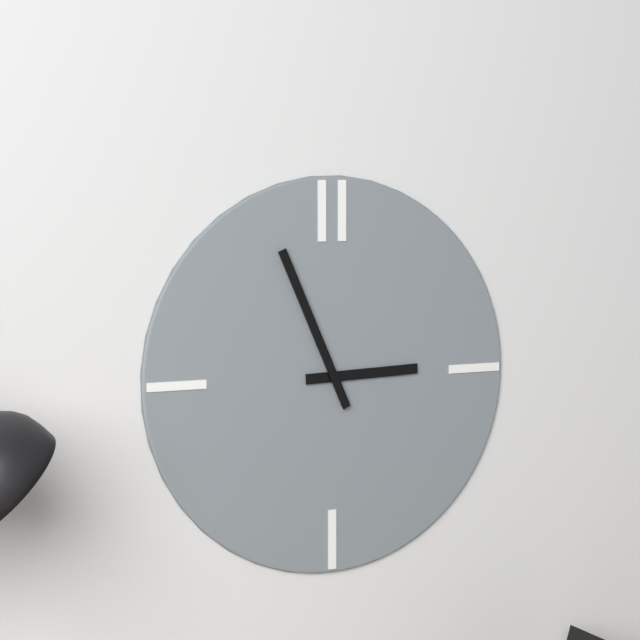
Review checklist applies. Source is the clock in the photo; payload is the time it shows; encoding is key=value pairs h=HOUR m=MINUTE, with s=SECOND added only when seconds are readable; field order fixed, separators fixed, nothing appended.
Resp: h=2 m=56
